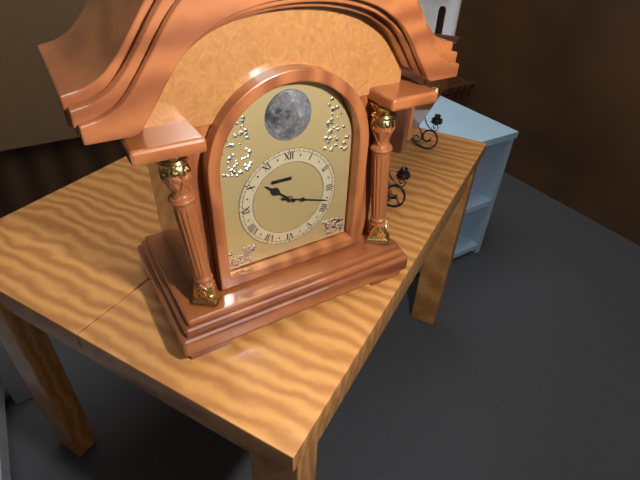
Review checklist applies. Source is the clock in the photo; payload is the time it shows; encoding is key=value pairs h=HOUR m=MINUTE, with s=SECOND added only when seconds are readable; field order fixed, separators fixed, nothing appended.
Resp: h=10 m=18
